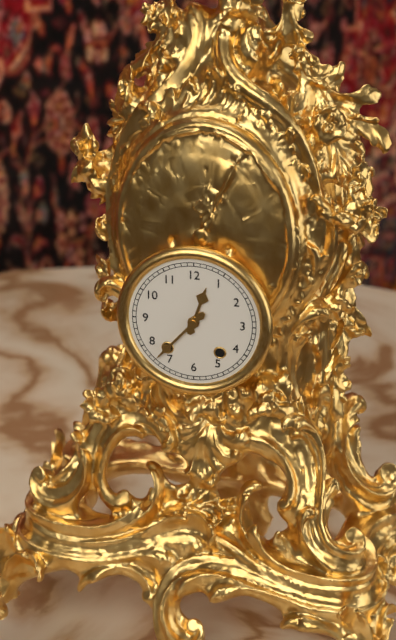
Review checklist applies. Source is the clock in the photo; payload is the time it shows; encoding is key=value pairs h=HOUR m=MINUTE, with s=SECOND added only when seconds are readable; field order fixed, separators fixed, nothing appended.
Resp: h=12 m=37
